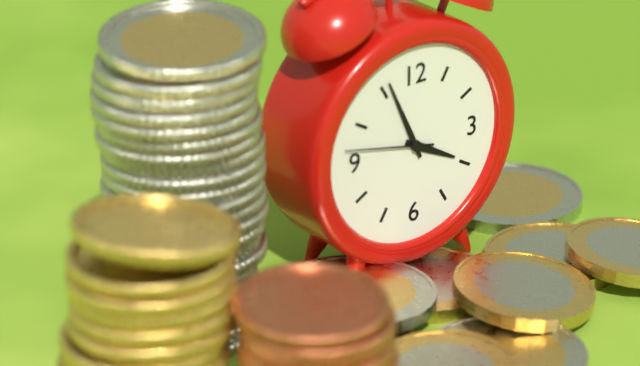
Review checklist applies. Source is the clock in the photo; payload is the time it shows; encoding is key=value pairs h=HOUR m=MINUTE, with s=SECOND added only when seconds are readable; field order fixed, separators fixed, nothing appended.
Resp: h=3 m=56
